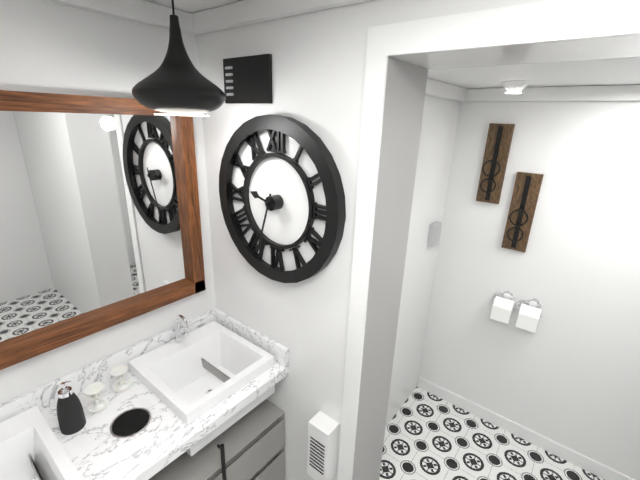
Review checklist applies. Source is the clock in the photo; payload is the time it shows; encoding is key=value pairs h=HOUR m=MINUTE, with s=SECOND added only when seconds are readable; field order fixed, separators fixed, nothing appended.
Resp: h=9 m=33
